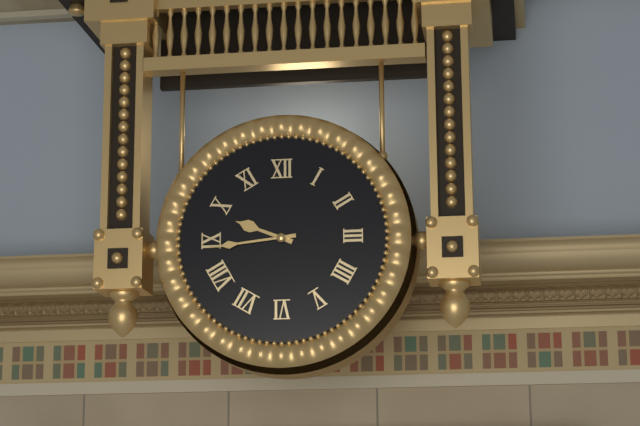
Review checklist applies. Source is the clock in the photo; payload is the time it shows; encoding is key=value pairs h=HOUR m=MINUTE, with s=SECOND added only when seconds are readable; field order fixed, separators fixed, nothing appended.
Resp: h=9 m=44
